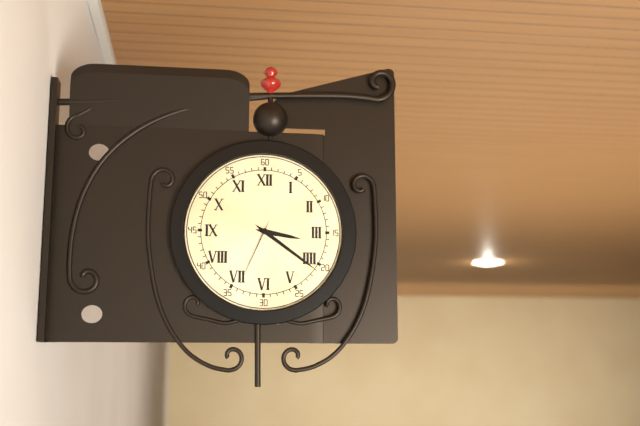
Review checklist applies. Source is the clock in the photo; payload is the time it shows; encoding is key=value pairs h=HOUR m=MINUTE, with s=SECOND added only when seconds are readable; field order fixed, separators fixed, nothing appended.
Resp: h=3 m=21 s=34
